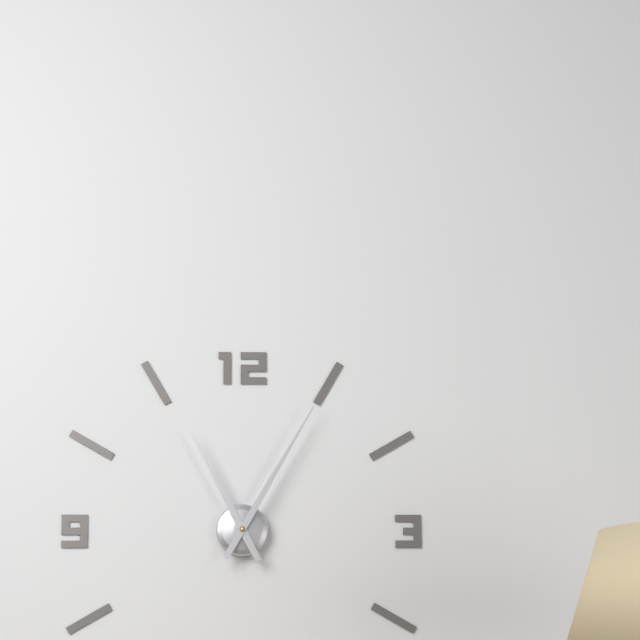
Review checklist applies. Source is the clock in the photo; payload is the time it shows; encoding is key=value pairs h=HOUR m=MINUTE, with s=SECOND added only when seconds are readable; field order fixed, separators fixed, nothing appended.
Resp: h=11 m=5
